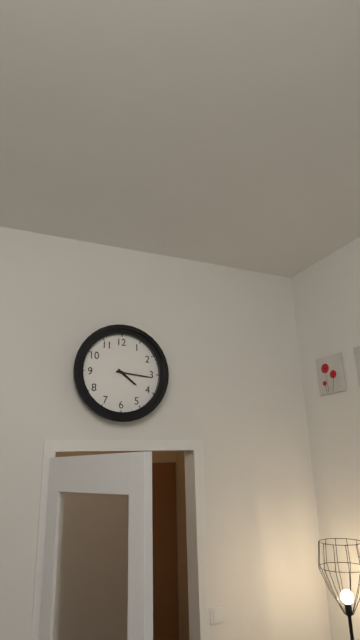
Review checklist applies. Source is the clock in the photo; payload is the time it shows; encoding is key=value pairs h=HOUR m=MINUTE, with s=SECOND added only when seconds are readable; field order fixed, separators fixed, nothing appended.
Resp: h=4 m=16
